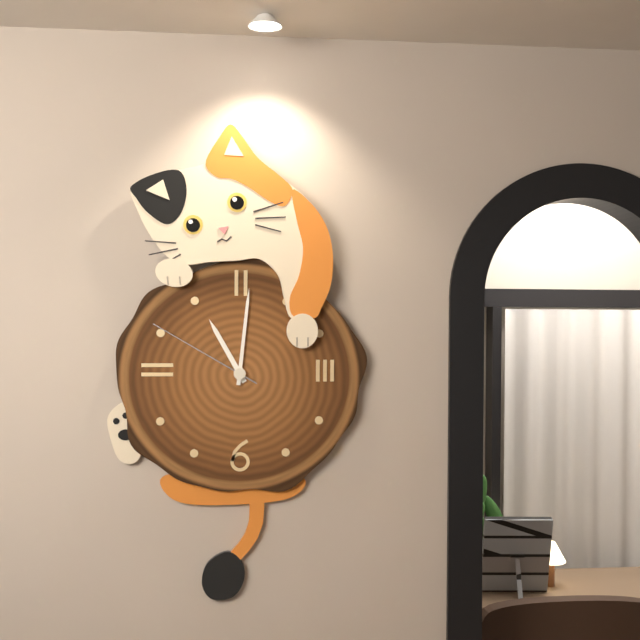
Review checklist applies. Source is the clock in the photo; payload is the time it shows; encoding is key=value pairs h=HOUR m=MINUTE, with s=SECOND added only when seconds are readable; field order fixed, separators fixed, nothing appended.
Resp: h=11 m=1 s=50
